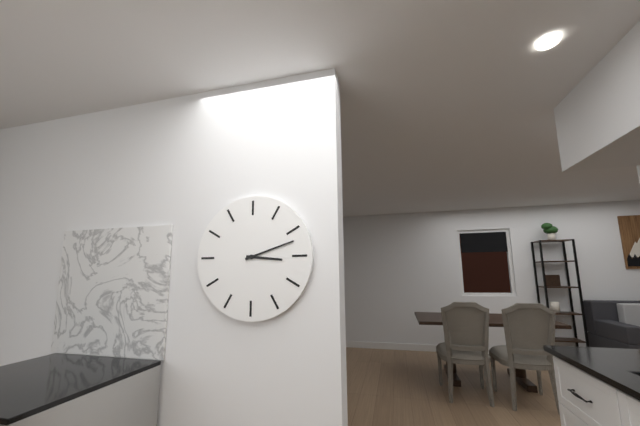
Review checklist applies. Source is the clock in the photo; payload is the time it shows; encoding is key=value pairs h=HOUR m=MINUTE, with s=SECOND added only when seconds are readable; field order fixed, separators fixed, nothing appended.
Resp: h=3 m=12
